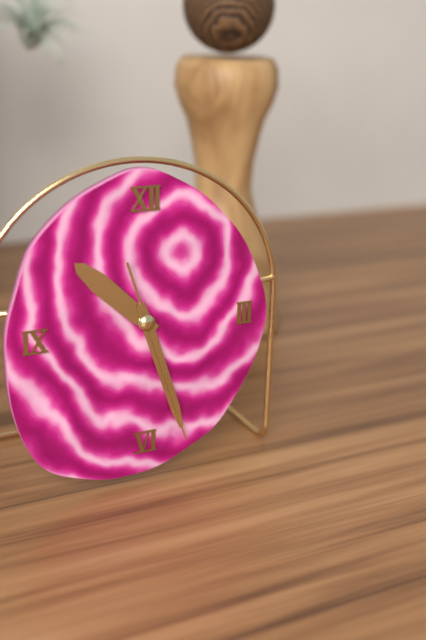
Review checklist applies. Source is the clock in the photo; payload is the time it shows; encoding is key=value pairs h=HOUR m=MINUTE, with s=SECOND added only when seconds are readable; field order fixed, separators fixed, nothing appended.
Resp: h=10 m=27 s=27
